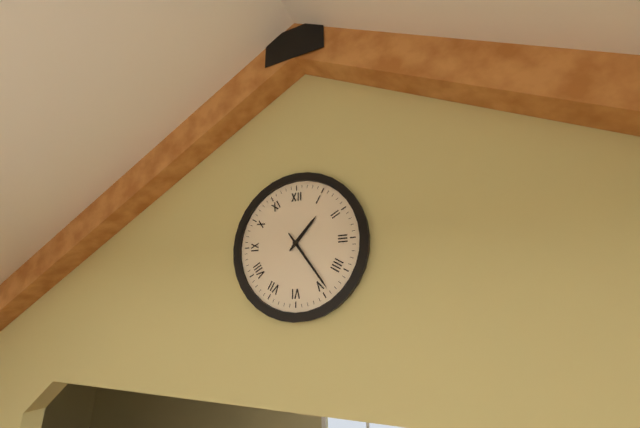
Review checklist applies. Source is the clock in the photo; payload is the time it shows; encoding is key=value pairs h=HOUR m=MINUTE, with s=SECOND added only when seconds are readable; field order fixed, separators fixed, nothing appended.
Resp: h=1 m=24
